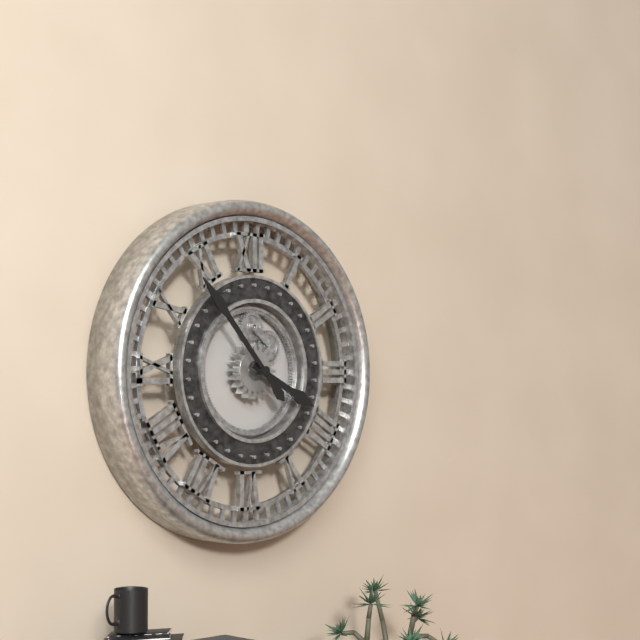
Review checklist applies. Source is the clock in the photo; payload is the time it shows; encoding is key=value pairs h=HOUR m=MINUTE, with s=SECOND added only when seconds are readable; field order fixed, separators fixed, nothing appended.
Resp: h=3 m=53
